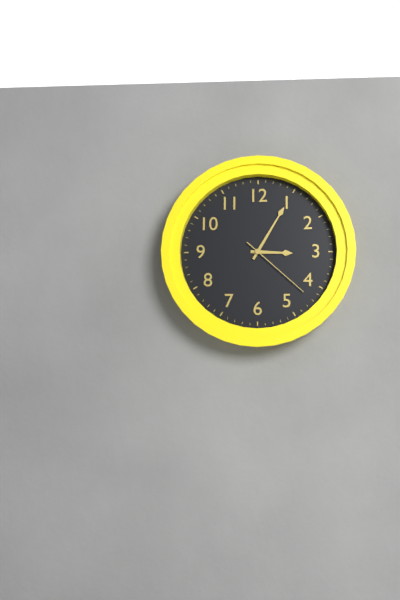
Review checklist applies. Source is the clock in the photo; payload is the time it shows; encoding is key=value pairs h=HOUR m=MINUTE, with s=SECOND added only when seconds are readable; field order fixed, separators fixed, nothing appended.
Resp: h=3 m=5 s=22
